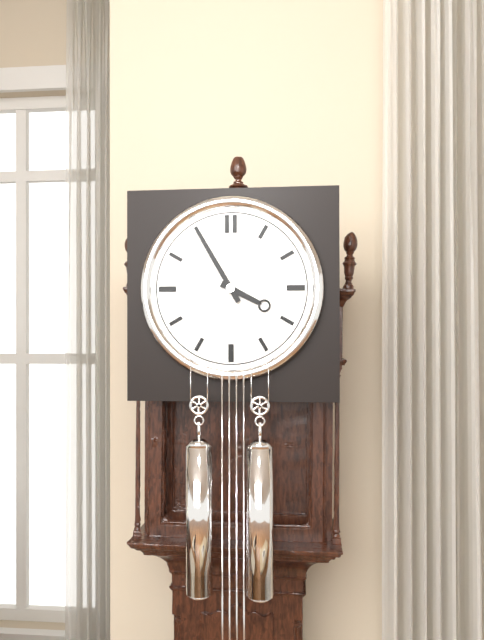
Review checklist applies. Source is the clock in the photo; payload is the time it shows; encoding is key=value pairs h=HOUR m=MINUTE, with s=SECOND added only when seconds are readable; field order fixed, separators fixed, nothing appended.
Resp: h=3 m=55
